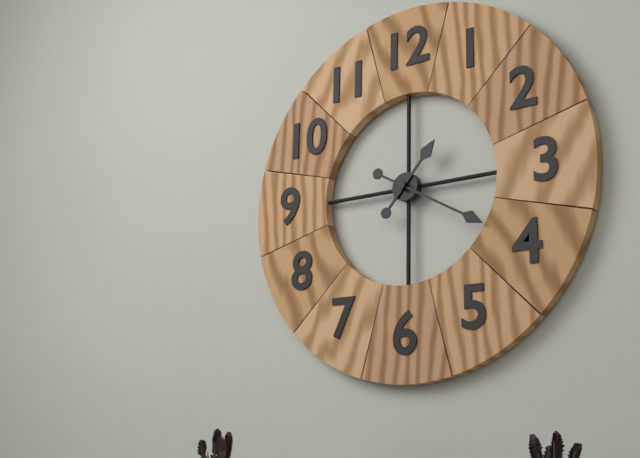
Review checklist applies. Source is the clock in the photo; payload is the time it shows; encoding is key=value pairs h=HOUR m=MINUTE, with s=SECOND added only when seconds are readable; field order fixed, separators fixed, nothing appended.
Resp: h=1 m=20
